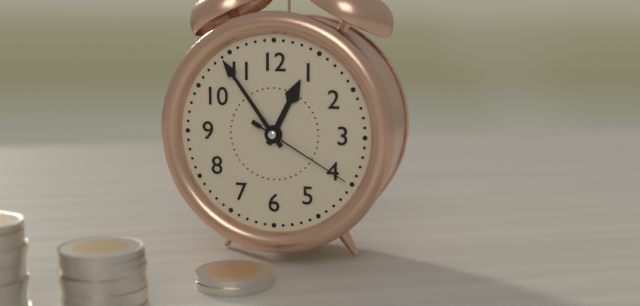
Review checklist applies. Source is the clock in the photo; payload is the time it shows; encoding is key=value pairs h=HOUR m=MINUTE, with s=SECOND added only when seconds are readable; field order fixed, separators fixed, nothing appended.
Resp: h=12 m=54 s=20
